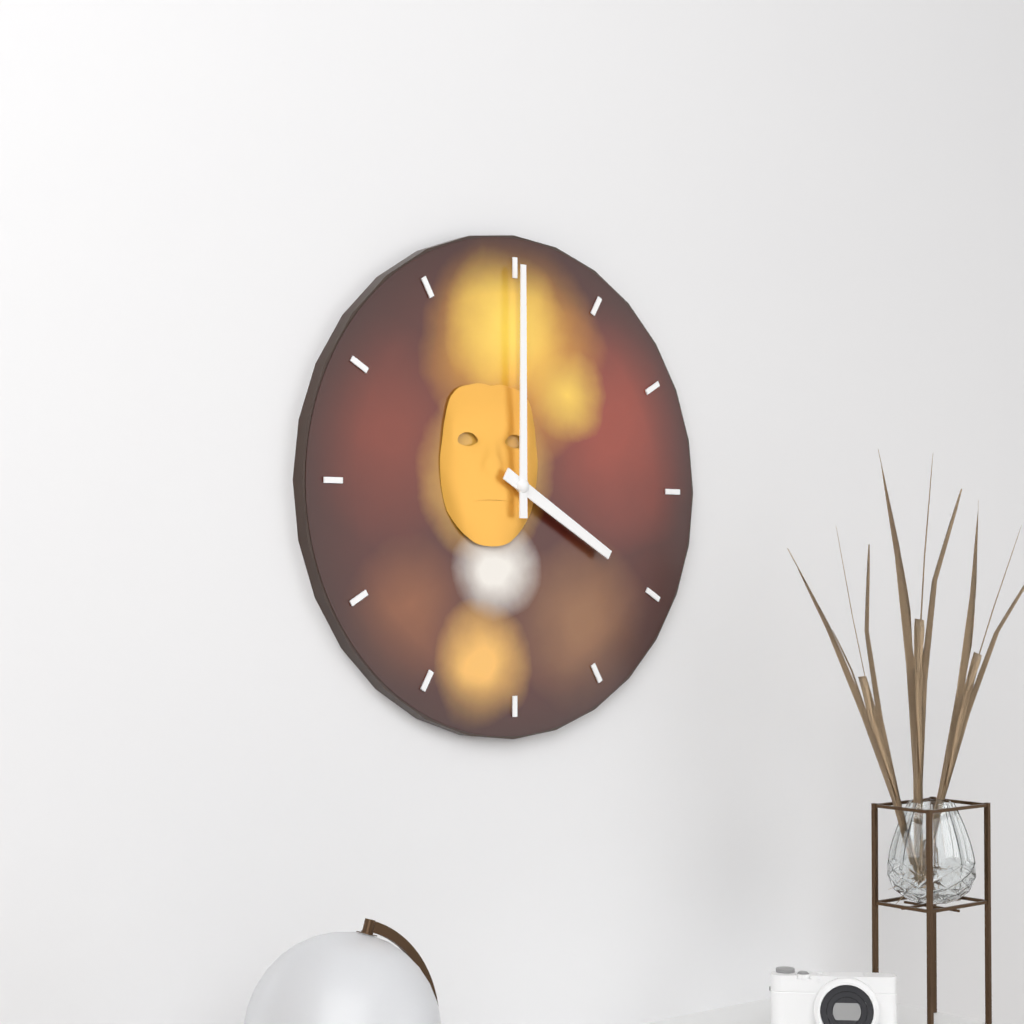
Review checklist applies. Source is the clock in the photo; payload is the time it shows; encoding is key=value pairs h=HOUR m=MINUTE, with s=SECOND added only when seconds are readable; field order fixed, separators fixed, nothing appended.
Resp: h=4 m=0
